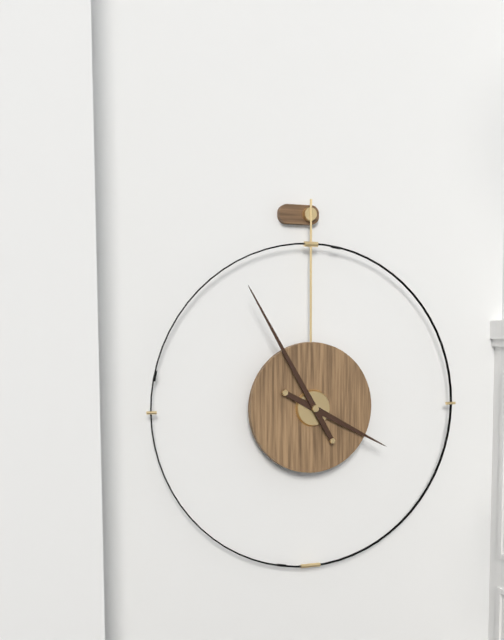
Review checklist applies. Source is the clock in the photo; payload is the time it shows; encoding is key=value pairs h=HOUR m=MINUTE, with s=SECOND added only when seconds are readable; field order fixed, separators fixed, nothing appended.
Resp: h=3 m=55
